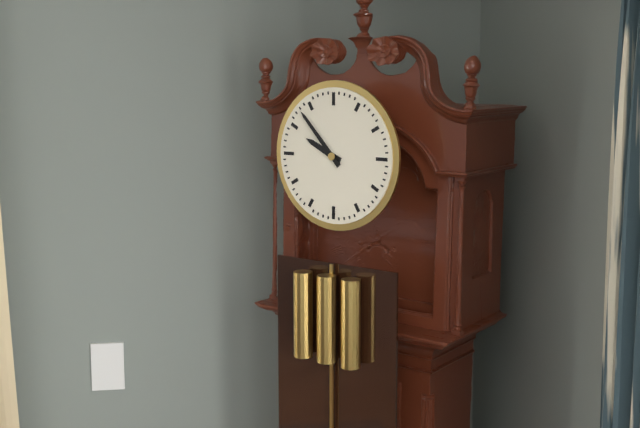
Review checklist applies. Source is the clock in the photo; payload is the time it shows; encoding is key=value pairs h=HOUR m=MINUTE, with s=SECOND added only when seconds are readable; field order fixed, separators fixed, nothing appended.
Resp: h=9 m=53
